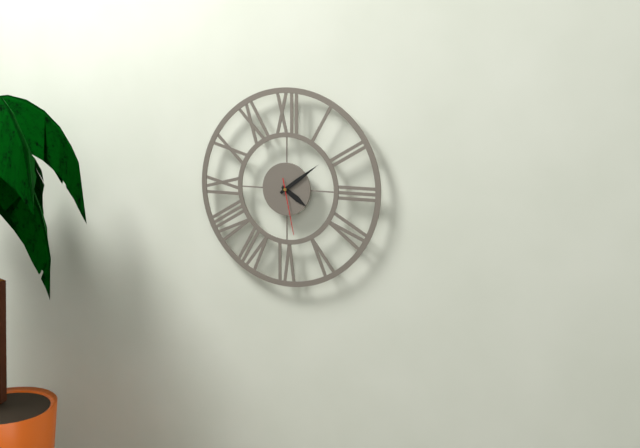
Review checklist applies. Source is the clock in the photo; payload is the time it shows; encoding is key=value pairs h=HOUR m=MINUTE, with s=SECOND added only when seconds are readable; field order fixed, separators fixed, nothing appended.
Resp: h=4 m=9 s=28
